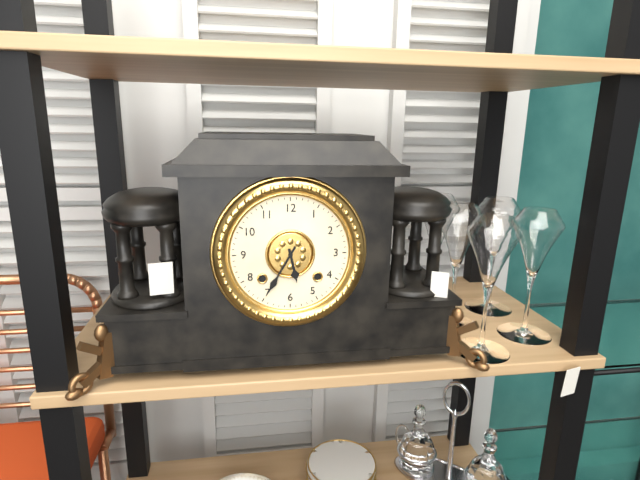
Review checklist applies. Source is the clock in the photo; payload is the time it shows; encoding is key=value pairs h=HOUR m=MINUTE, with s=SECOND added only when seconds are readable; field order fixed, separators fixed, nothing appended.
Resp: h=5 m=35
